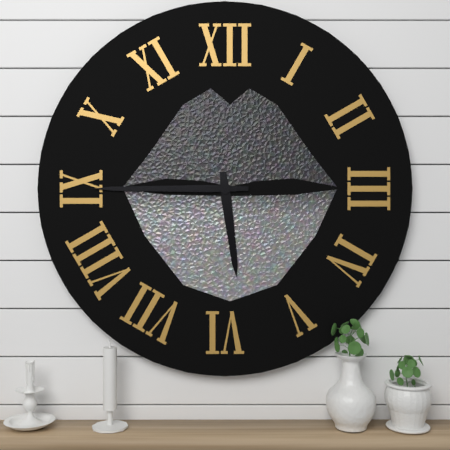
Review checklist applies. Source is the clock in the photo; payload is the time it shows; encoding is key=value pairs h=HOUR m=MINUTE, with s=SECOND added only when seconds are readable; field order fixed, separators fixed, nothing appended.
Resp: h=5 m=45
